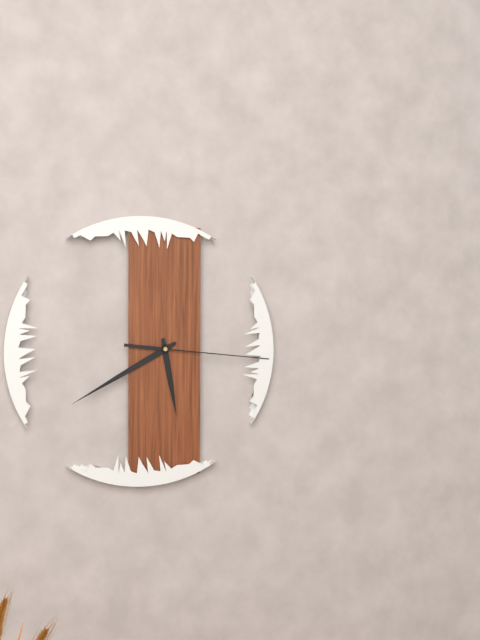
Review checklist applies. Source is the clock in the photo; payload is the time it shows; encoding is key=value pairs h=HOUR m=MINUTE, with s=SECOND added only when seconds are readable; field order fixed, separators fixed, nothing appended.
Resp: h=5 m=40 s=16
